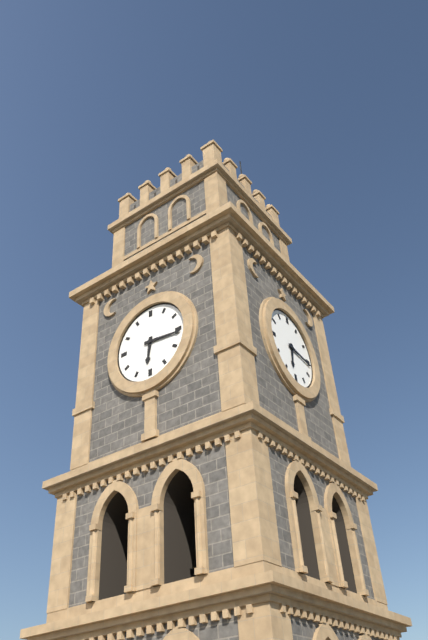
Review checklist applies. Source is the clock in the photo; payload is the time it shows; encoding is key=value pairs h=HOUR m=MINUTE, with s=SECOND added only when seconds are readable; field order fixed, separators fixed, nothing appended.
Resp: h=6 m=16
